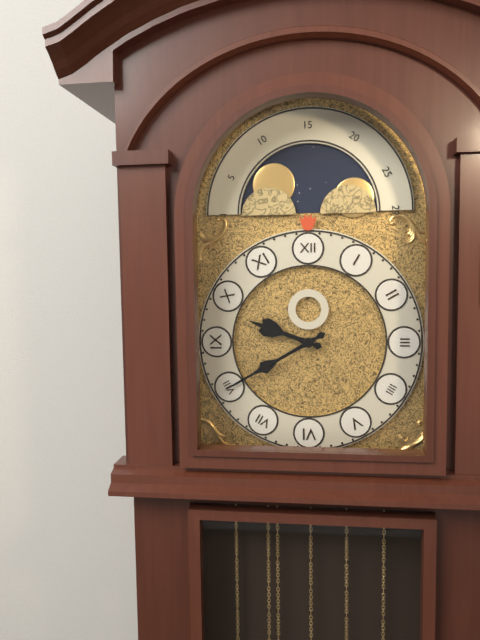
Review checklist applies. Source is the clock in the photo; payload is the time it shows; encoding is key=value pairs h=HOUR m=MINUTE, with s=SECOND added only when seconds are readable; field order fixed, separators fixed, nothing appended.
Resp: h=9 m=40
